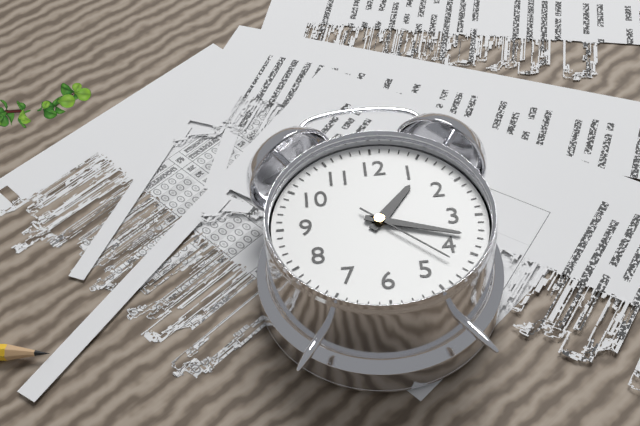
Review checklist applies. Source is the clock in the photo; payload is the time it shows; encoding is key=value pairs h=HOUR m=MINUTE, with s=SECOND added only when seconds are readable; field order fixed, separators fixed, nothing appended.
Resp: h=1 m=18 s=22
